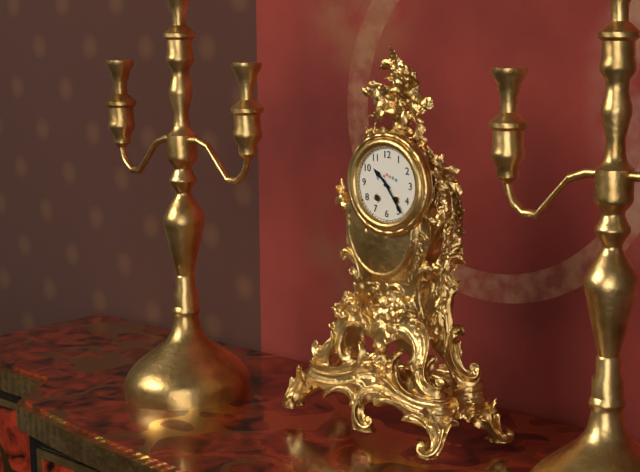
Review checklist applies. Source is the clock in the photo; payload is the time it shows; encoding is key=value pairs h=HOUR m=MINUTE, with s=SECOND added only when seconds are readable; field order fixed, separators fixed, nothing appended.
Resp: h=10 m=24
